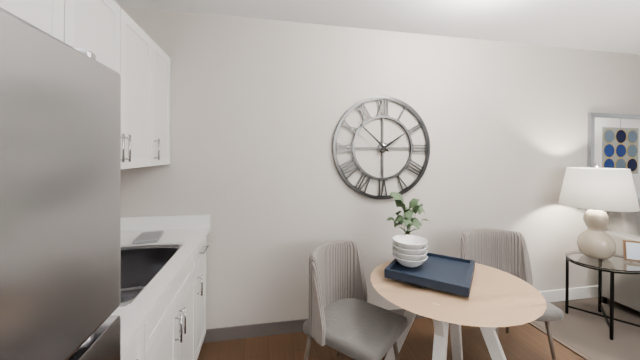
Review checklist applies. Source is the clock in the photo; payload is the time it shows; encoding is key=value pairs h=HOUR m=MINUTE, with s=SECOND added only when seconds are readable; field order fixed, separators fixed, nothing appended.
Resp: h=1 m=52
